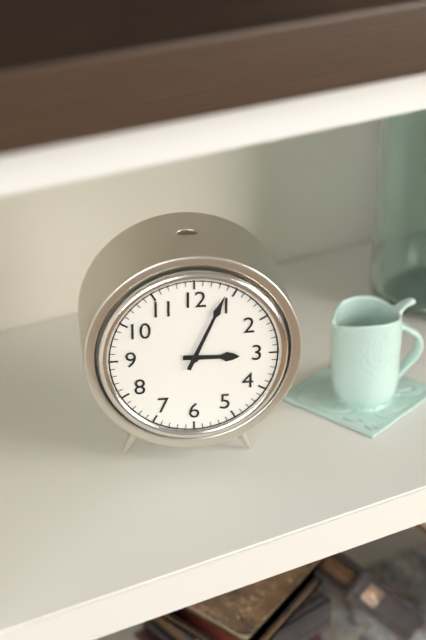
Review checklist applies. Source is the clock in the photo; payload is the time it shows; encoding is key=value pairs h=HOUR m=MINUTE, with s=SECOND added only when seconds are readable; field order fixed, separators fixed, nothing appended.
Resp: h=3 m=4
